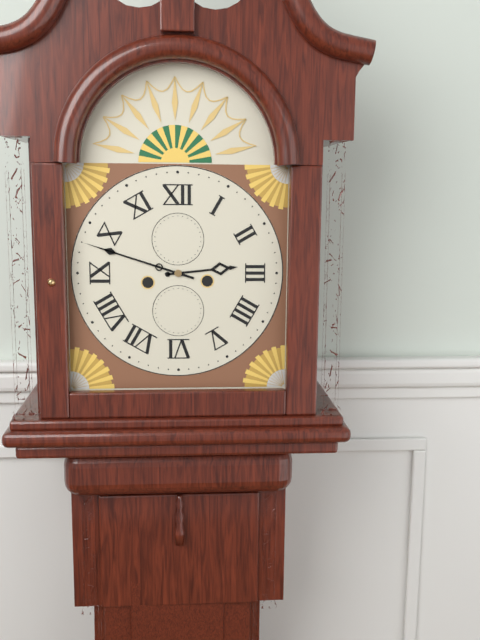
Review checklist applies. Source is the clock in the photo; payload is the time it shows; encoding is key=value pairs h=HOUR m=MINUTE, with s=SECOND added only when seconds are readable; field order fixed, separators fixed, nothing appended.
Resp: h=2 m=48
